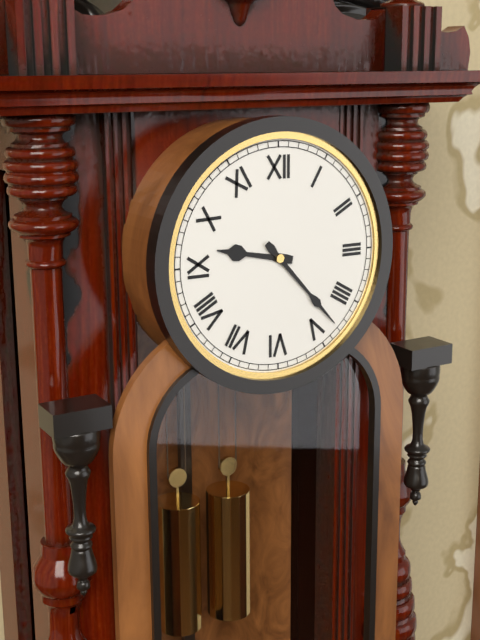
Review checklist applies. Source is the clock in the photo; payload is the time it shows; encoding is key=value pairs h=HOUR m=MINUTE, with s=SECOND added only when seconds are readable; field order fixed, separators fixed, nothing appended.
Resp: h=9 m=23
